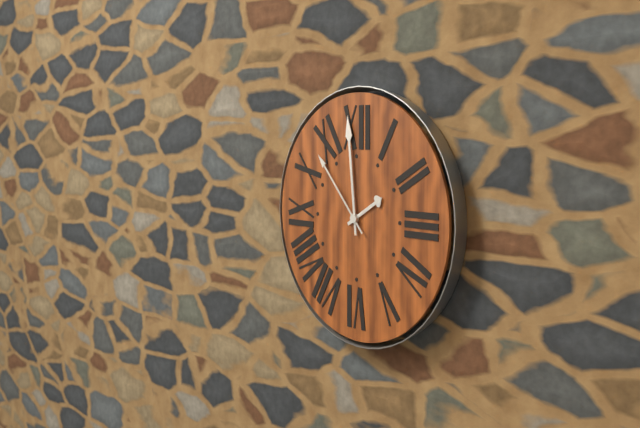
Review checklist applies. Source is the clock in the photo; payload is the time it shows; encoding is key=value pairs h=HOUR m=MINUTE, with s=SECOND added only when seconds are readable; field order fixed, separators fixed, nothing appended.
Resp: h=1 m=59 s=53
